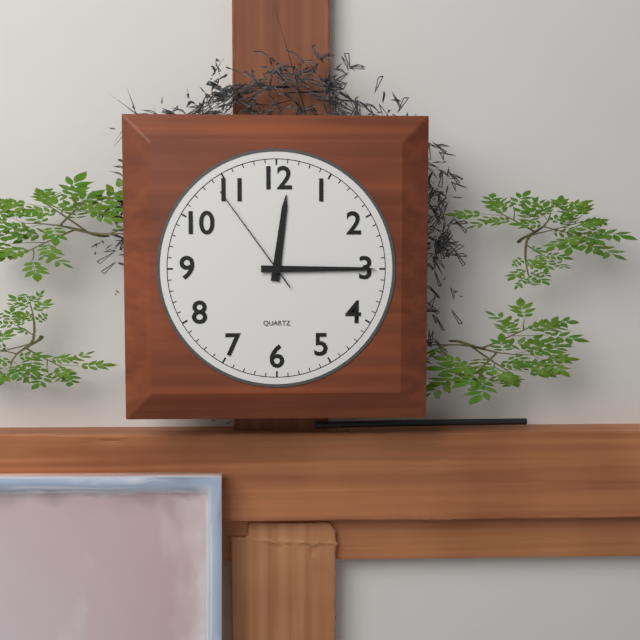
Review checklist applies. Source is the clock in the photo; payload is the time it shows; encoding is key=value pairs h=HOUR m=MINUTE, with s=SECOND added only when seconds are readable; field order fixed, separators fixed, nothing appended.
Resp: h=12 m=15 s=54
